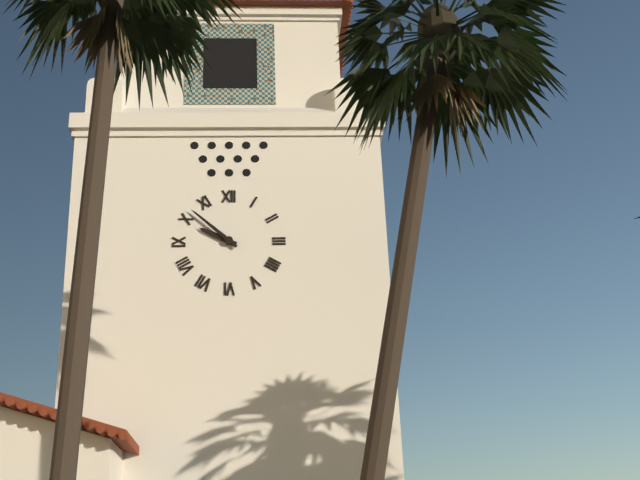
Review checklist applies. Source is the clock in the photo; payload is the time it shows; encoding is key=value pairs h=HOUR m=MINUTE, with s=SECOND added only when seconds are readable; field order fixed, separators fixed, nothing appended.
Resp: h=9 m=52
